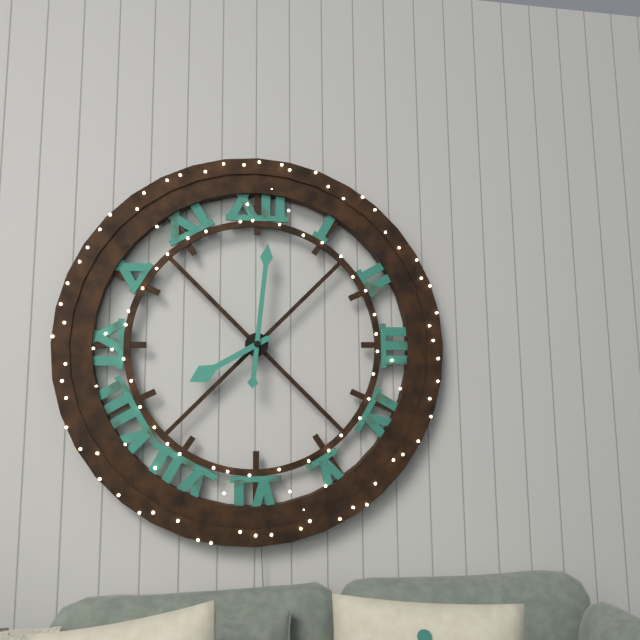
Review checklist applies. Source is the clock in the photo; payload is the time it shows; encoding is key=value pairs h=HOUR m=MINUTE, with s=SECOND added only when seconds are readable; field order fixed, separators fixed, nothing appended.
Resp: h=8 m=1
